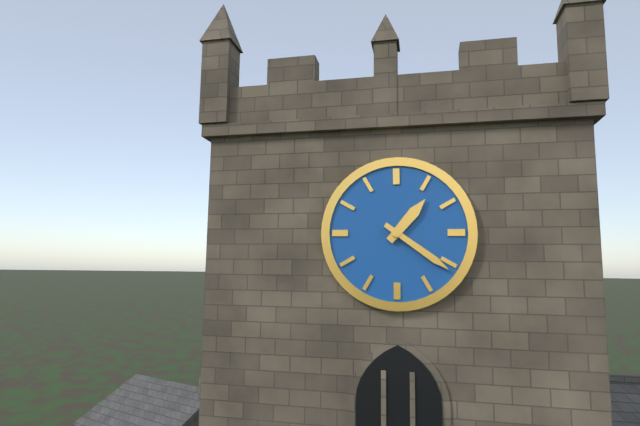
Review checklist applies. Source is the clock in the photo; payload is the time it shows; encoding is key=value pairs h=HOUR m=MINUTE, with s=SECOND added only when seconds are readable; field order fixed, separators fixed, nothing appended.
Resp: h=1 m=21
